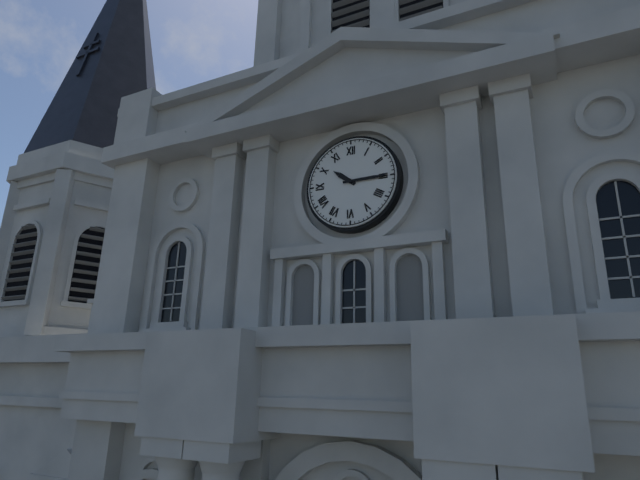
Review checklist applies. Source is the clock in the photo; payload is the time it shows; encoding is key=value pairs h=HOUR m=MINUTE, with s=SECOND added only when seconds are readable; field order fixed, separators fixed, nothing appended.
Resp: h=10 m=15
